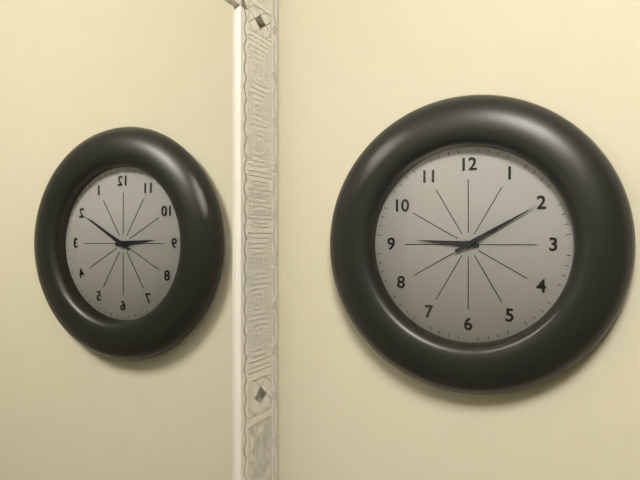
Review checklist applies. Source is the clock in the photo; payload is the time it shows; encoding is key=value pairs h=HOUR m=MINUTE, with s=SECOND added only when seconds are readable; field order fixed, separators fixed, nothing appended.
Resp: h=9 m=10
